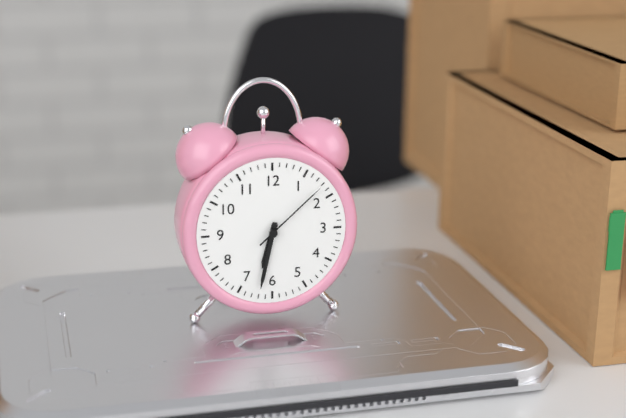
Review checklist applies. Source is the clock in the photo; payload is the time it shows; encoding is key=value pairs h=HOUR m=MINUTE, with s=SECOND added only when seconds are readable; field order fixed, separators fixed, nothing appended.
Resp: h=6 m=32 s=8
